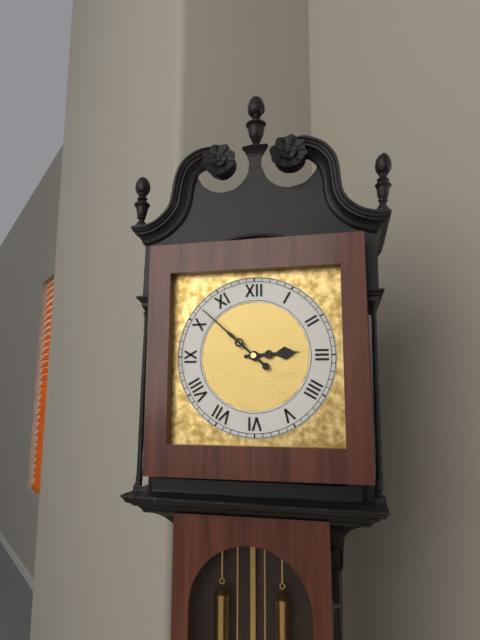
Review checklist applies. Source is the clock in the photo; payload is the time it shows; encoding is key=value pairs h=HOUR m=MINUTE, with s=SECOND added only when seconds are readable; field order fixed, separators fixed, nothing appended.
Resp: h=2 m=52
